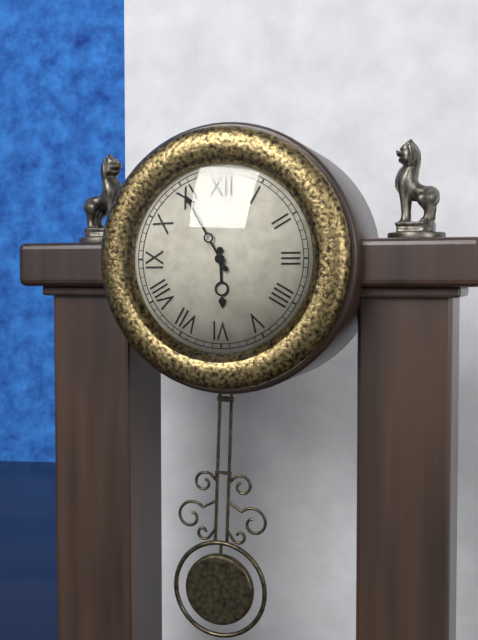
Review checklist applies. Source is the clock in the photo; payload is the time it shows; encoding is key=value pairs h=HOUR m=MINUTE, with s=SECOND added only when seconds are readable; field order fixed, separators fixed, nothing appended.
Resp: h=5 m=55
